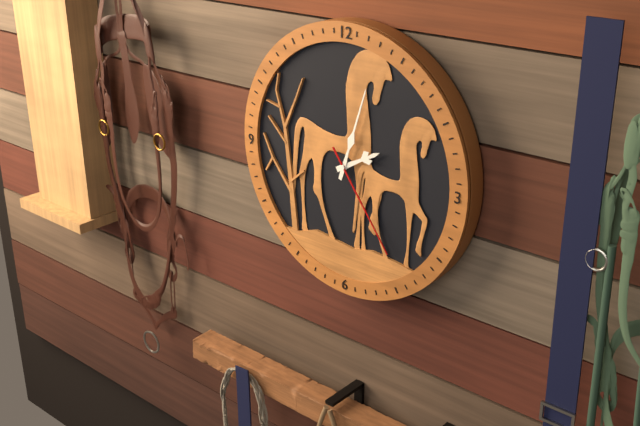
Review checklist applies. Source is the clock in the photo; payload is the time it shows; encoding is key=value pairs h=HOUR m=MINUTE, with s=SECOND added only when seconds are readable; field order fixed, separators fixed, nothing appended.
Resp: h=2 m=3 s=24
